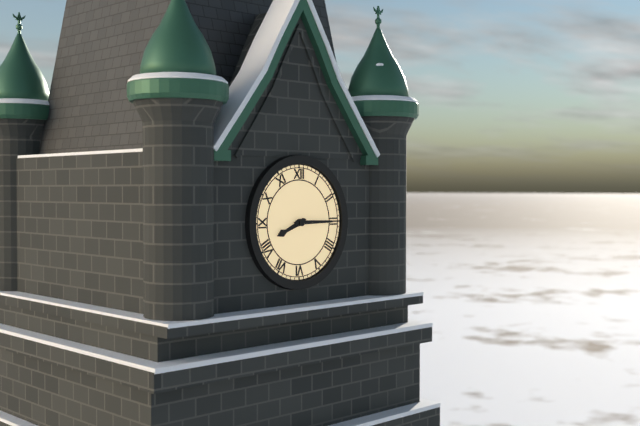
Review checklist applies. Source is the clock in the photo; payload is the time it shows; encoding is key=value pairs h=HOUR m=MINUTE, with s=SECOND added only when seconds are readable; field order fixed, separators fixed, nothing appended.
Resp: h=8 m=15
